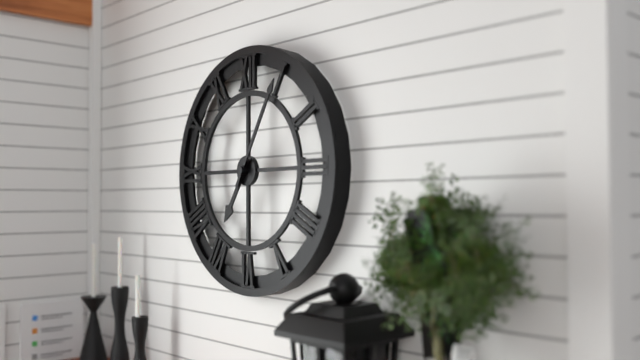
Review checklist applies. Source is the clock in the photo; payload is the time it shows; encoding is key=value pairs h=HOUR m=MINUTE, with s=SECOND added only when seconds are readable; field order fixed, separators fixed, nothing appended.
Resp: h=7 m=5
